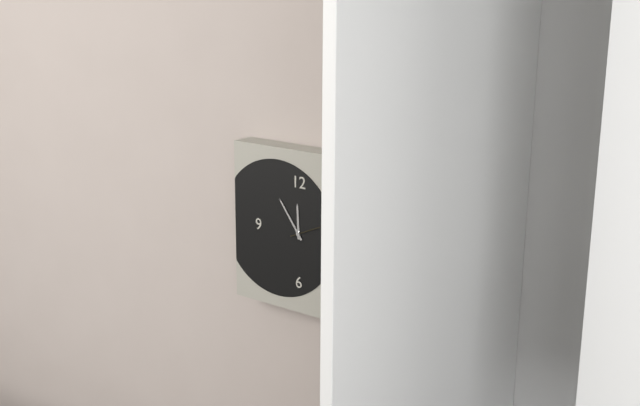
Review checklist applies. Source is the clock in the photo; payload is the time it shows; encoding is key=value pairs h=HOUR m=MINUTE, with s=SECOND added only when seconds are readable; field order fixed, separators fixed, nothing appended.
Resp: h=11 m=54
